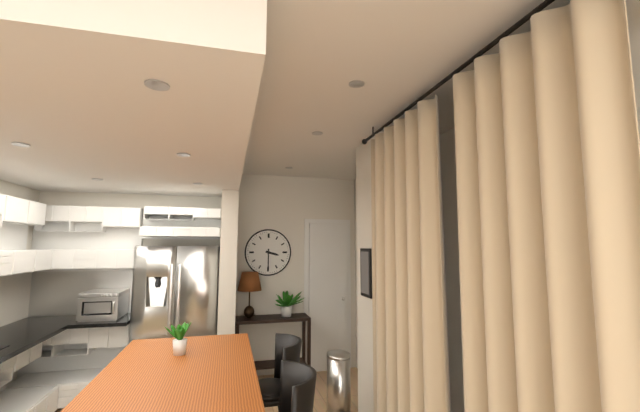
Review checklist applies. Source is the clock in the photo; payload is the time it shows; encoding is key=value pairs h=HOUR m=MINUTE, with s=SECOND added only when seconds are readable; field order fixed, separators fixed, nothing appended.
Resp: h=3 m=30
